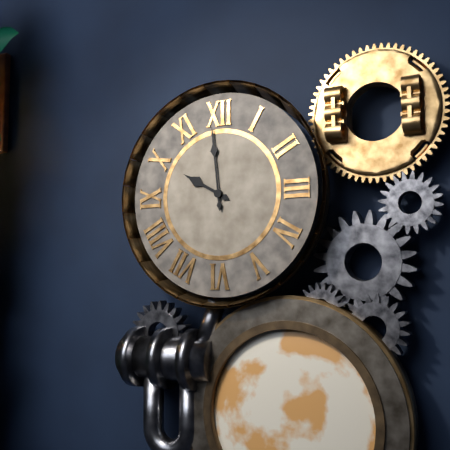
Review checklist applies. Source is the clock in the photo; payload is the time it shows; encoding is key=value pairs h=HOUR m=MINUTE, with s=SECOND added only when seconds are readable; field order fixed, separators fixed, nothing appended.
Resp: h=9 m=59
